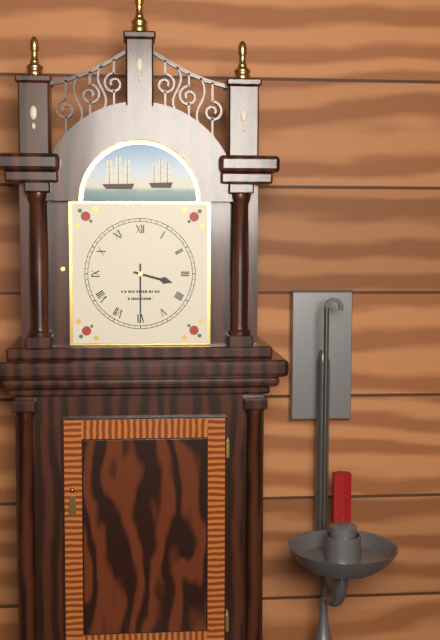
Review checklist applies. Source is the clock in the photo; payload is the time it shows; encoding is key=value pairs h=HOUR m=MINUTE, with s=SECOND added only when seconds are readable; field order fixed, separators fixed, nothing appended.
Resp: h=3 m=30
